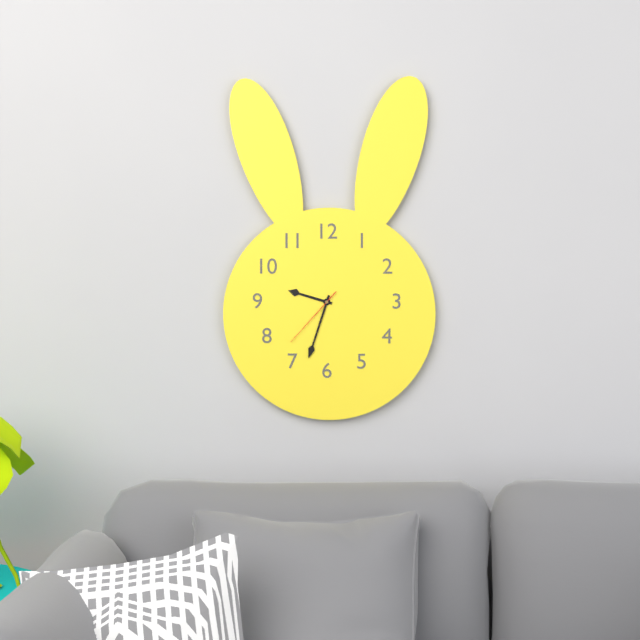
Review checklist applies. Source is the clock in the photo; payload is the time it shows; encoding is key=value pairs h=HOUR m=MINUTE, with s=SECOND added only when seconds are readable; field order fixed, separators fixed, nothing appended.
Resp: h=9 m=33 s=37
